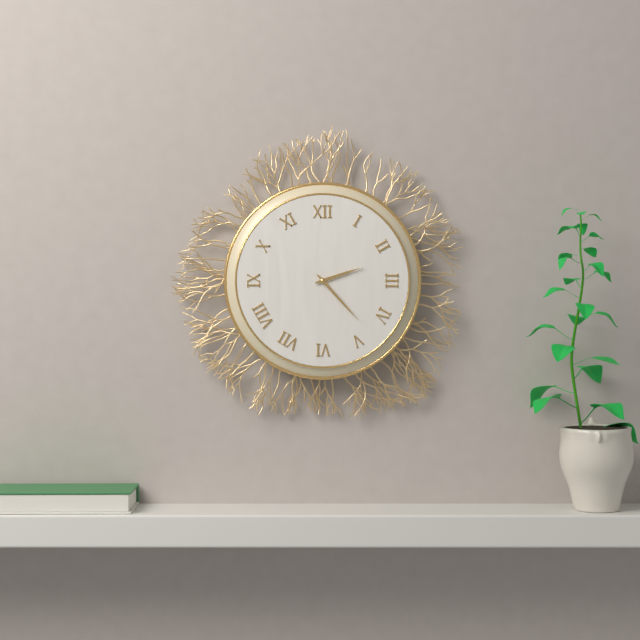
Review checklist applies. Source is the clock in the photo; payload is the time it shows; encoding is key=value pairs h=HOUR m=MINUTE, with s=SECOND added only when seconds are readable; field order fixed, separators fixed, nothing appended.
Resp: h=2 m=23
